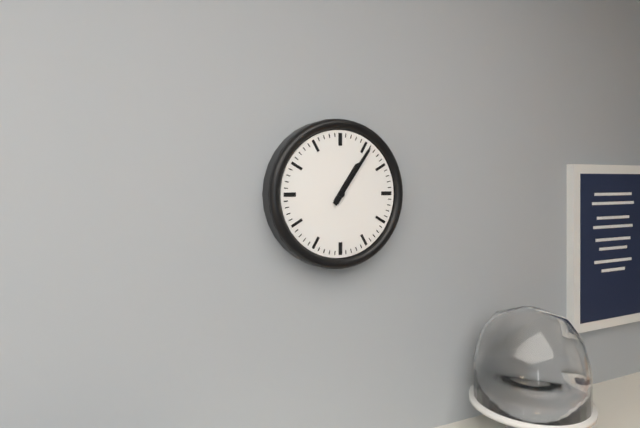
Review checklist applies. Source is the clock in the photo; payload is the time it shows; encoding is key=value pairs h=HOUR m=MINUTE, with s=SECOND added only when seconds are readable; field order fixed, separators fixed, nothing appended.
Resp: h=1 m=6
